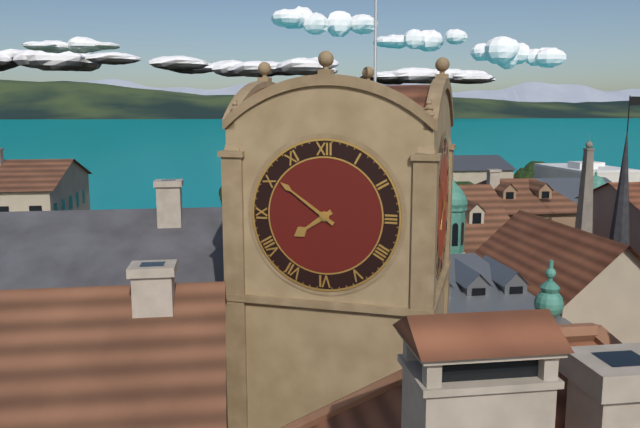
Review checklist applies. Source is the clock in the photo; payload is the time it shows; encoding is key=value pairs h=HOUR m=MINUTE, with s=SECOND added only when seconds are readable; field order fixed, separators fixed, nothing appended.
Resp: h=7 m=51
